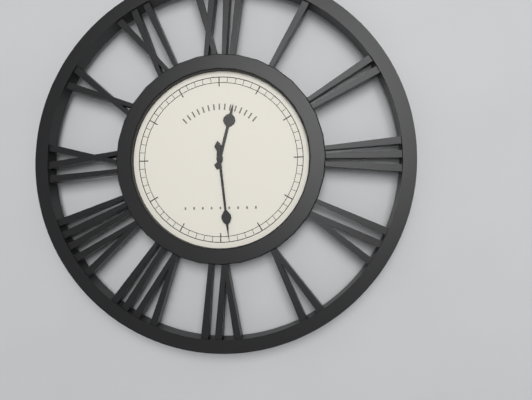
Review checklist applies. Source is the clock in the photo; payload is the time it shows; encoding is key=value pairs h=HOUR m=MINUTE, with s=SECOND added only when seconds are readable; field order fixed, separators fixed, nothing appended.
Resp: h=12 m=29
